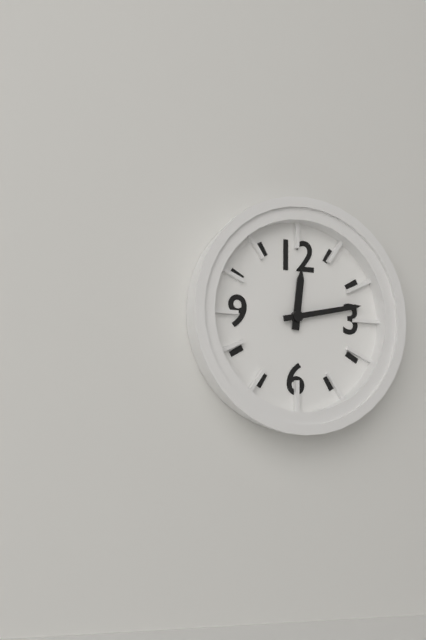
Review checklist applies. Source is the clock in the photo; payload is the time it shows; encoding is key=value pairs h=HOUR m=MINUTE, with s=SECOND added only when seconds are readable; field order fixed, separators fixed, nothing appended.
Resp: h=12 m=13
